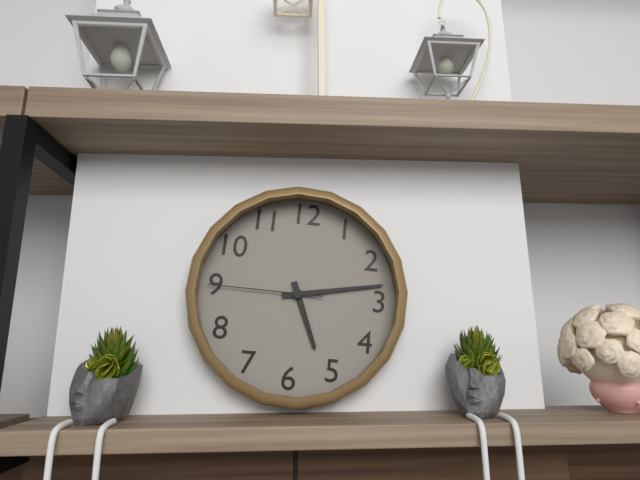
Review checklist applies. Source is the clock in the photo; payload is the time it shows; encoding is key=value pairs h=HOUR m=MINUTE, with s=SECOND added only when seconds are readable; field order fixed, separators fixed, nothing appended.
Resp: h=5 m=13 s=45
